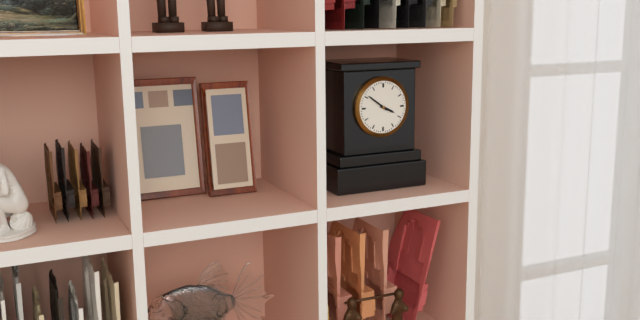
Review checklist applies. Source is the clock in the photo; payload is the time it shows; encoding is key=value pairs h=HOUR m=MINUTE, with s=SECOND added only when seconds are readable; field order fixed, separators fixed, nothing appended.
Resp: h=3 m=51
